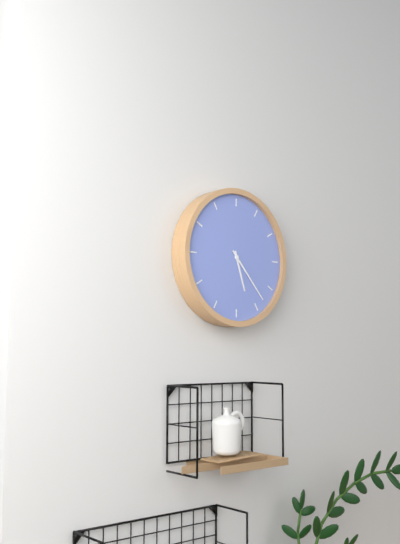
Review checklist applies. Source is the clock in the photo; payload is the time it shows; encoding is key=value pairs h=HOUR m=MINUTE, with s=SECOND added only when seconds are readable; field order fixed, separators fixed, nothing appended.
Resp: h=5 m=23
